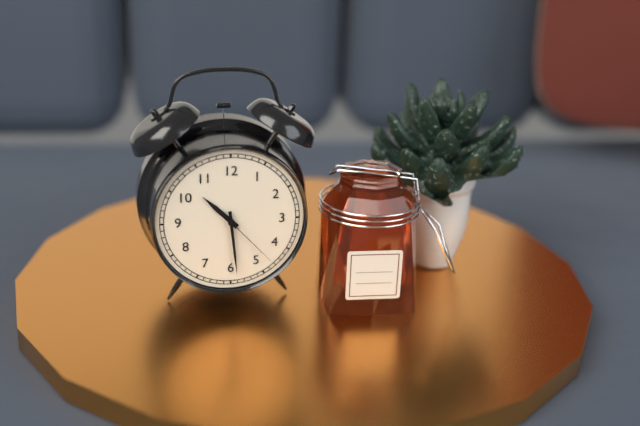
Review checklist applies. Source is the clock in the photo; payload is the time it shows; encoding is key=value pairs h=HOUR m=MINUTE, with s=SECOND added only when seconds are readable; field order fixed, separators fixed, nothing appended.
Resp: h=10 m=29 s=23
